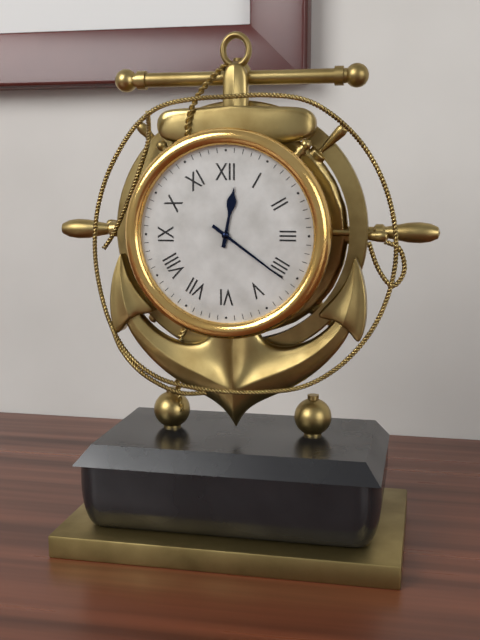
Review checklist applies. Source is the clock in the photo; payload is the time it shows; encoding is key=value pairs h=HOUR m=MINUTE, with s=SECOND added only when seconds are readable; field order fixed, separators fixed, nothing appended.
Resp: h=12 m=21
